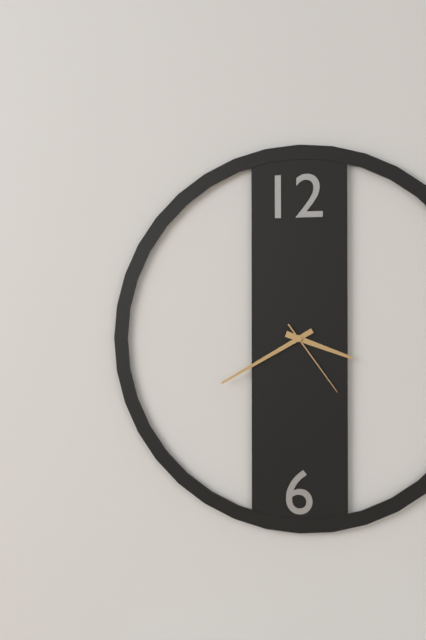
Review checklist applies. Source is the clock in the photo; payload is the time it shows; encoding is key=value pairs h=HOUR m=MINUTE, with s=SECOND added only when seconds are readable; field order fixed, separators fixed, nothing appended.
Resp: h=3 m=40 s=24
